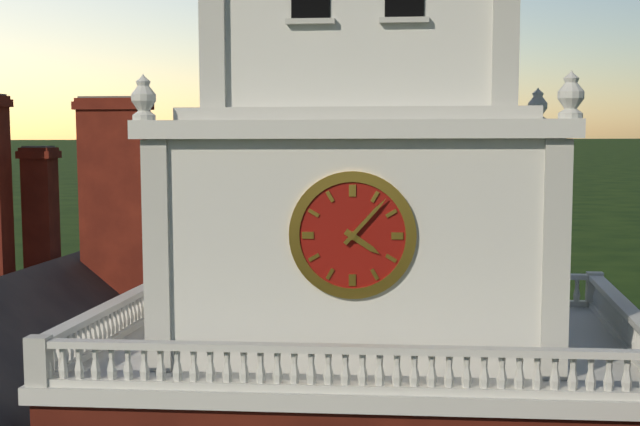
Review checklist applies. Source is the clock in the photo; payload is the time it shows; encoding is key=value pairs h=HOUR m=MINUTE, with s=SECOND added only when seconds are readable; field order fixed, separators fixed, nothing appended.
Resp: h=4 m=7
